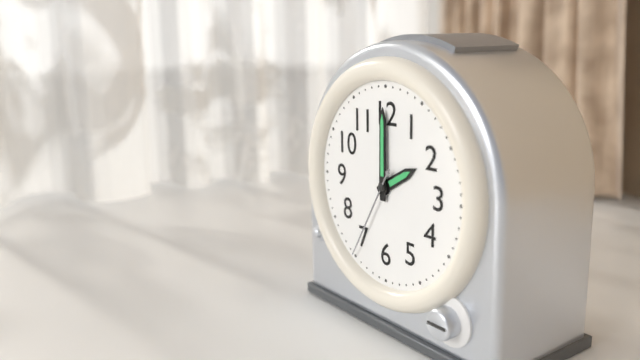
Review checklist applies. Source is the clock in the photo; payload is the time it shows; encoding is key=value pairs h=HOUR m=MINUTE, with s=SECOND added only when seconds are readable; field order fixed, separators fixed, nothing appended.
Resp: h=2 m=0 s=35
